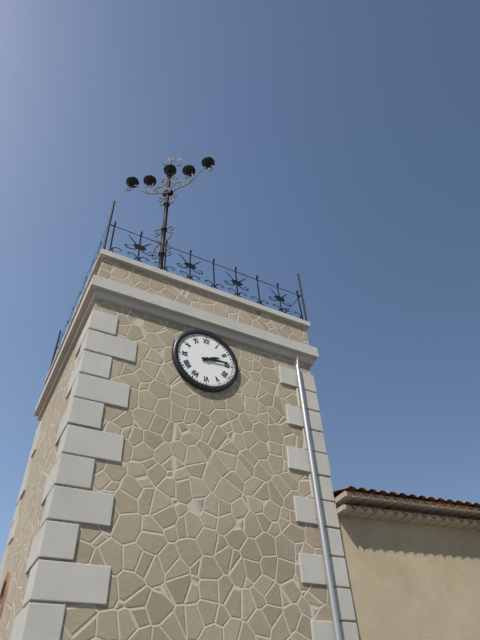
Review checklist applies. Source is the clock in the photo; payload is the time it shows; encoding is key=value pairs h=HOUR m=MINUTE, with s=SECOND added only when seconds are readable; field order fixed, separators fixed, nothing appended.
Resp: h=2 m=14
